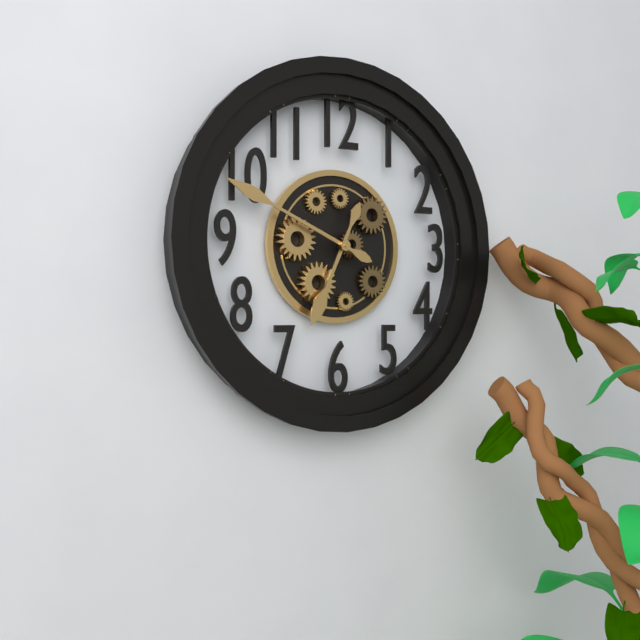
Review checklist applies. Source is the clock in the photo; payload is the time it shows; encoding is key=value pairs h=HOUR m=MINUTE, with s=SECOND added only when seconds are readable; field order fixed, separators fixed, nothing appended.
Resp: h=6 m=49
